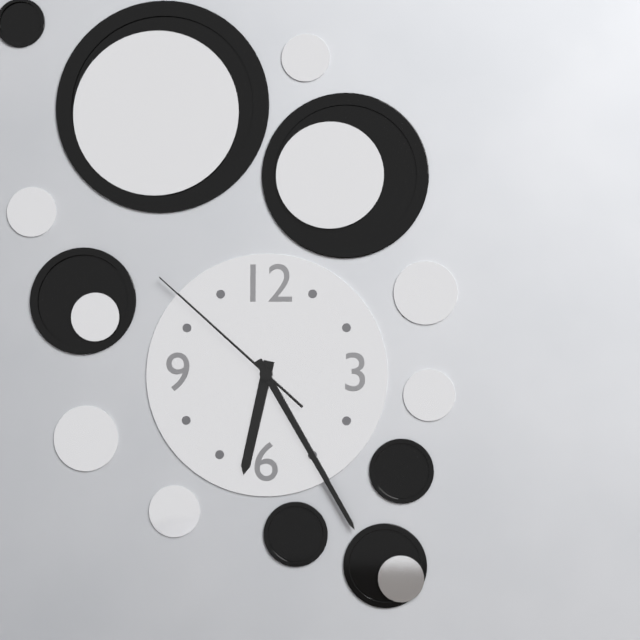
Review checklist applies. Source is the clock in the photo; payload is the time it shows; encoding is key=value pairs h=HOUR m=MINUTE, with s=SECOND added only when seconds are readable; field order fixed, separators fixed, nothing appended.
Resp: h=6 m=25 s=52
